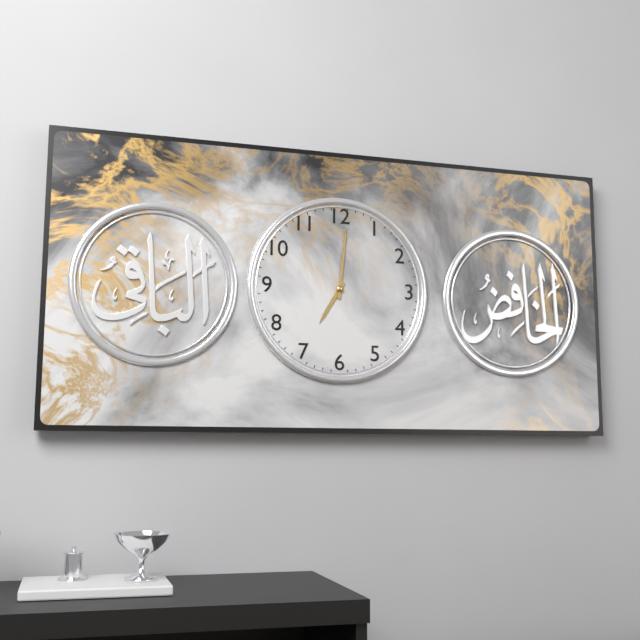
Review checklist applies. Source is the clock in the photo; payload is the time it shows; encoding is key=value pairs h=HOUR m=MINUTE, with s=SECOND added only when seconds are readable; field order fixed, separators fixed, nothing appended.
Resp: h=7 m=1
